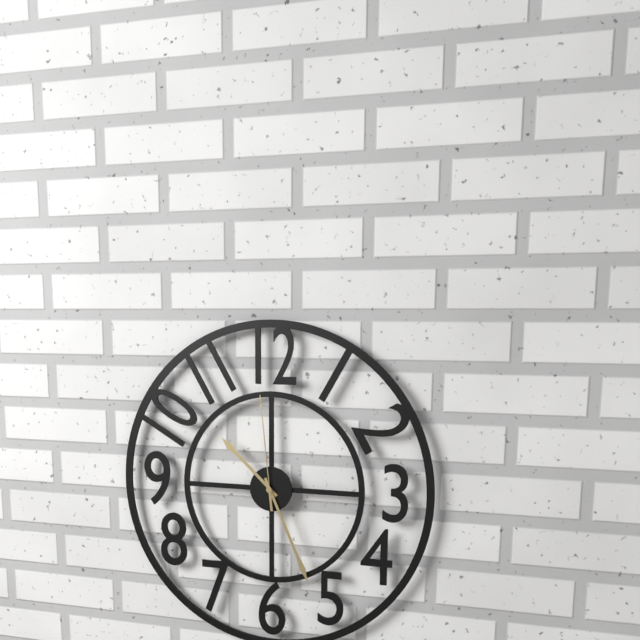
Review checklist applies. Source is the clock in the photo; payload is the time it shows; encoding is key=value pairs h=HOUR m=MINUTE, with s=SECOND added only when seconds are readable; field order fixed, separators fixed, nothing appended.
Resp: h=10 m=26 s=59
